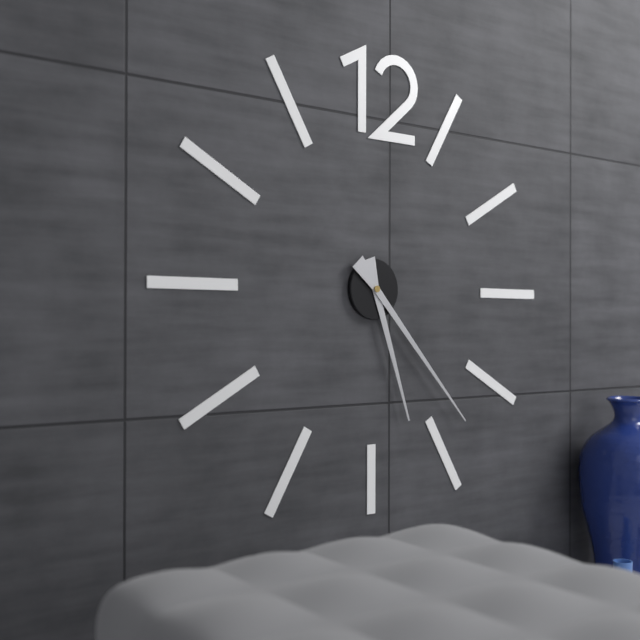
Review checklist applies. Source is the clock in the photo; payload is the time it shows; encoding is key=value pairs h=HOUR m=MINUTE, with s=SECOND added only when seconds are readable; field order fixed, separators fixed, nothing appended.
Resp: h=5 m=23
